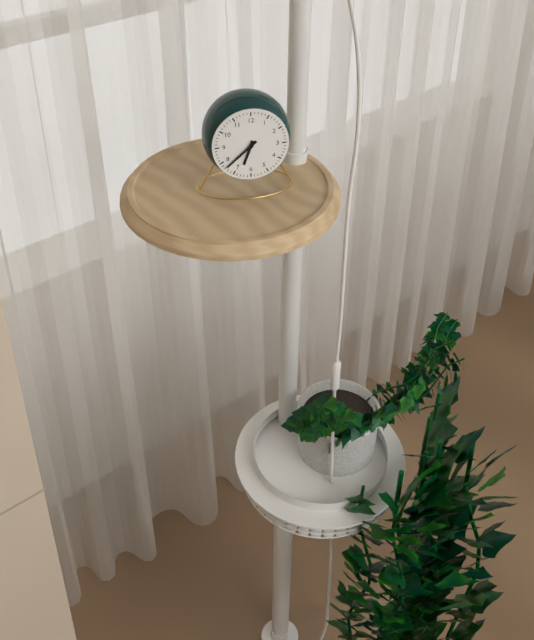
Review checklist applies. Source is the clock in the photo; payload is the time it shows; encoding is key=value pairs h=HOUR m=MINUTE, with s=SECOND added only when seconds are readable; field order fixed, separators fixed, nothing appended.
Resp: h=6 m=38
